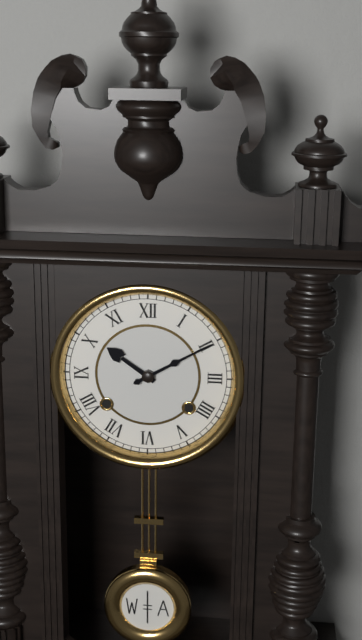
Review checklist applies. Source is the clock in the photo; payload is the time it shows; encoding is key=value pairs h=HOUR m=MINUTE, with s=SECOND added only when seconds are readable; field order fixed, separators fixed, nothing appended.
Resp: h=10 m=10
